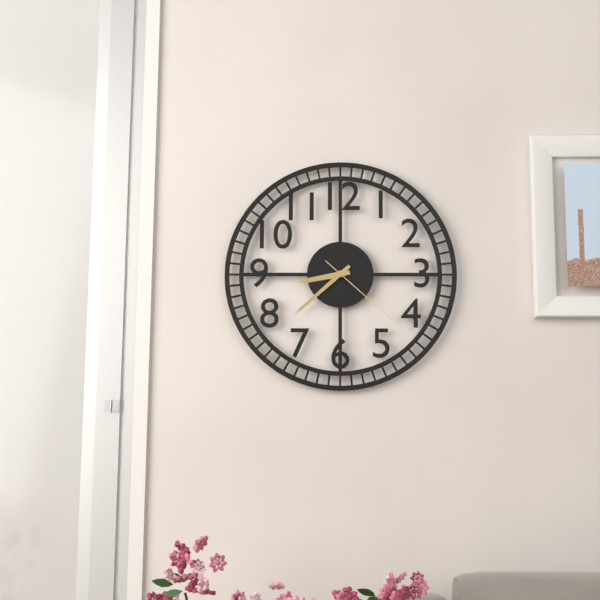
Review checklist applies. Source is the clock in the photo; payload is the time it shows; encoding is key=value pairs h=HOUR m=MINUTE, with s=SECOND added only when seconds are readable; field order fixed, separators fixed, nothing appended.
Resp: h=8 m=38 s=22
